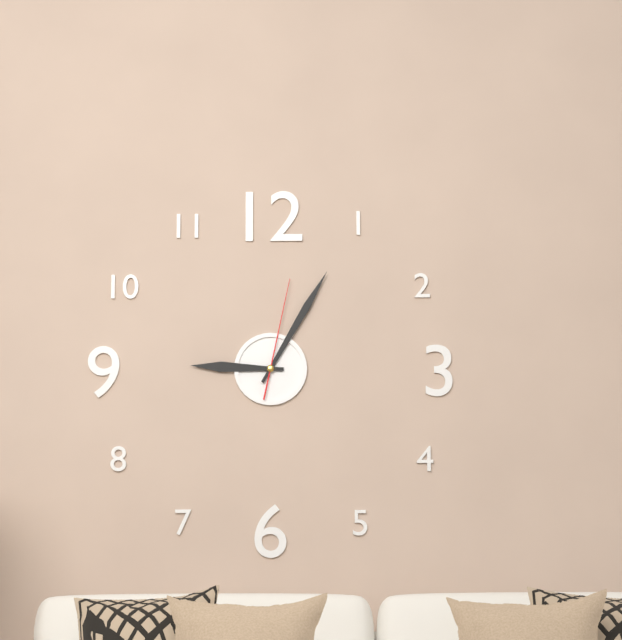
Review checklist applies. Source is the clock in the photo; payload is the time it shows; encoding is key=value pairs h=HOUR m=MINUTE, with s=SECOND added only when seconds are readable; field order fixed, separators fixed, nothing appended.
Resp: h=9 m=5 s=2
